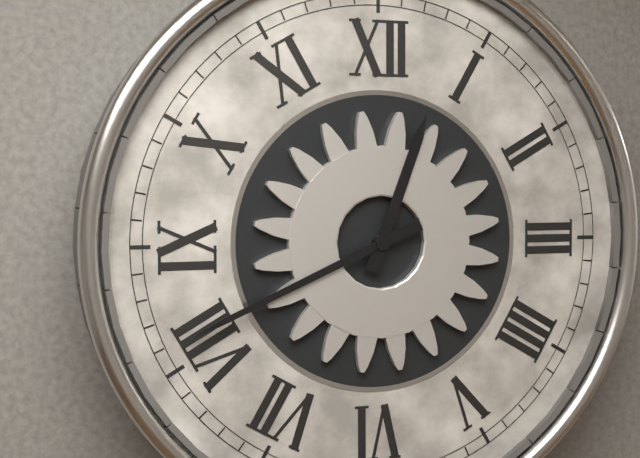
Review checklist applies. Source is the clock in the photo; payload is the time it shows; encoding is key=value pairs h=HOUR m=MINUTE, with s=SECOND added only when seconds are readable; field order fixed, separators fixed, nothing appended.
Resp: h=12 m=41
